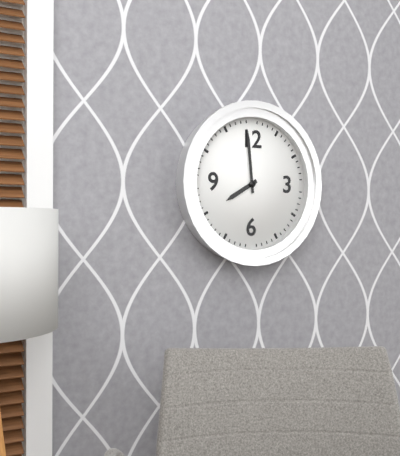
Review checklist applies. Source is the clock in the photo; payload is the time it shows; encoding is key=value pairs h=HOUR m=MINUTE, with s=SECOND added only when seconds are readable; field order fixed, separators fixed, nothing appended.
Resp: h=7 m=59
